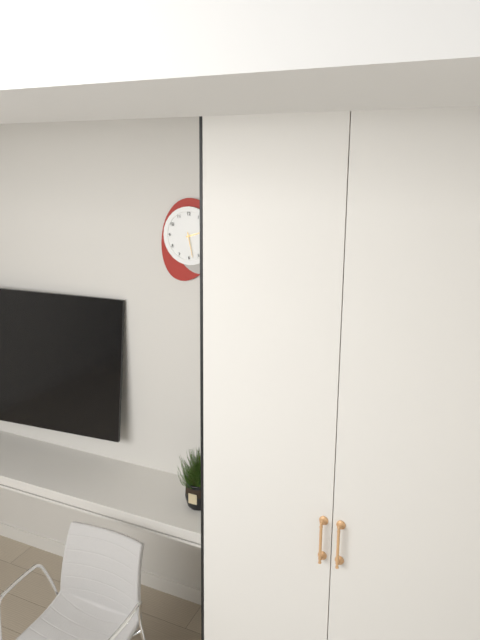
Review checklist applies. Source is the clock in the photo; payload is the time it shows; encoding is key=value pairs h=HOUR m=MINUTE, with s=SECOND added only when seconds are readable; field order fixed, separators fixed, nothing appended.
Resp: h=2 m=28
